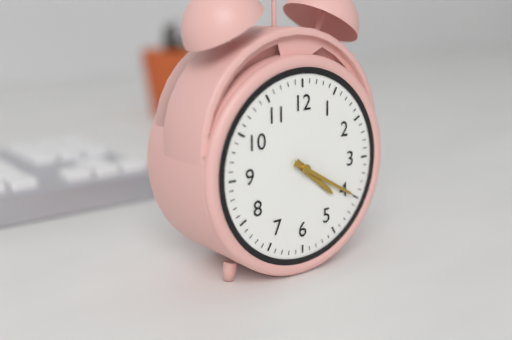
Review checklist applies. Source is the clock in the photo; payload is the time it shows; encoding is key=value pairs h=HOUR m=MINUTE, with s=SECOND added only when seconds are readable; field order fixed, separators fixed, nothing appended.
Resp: h=4 m=20
